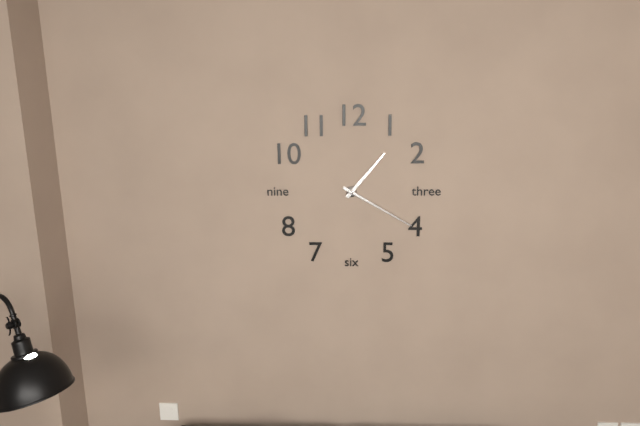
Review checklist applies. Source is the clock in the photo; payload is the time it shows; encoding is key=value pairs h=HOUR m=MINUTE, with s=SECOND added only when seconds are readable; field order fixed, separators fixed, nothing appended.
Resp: h=1 m=20
